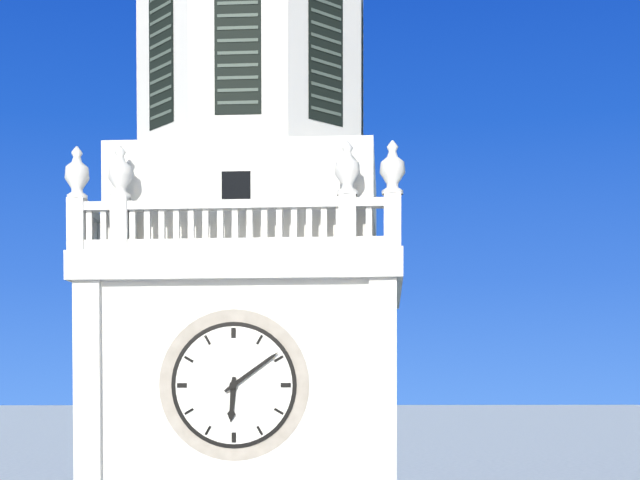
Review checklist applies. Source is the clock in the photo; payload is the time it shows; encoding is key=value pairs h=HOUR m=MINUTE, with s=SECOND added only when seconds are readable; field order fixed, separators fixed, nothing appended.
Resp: h=6 m=9
